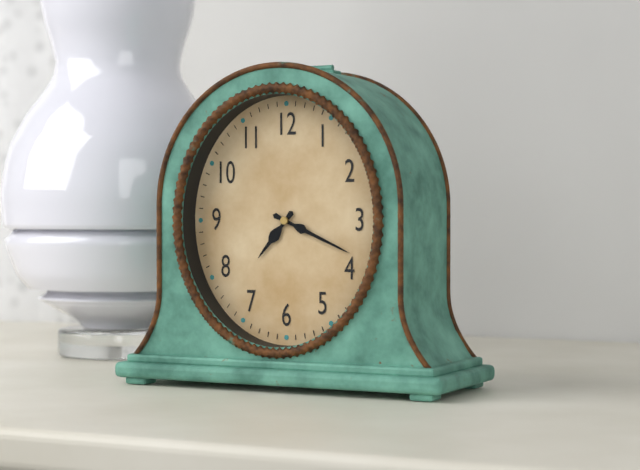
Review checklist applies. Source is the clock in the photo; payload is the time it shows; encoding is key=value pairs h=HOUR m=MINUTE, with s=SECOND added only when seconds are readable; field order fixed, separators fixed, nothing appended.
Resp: h=7 m=19
